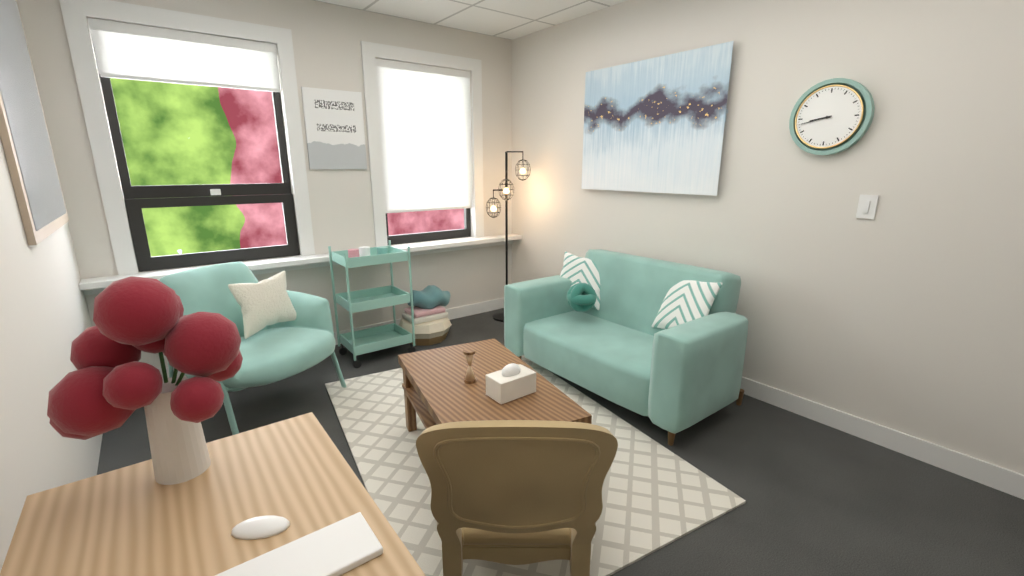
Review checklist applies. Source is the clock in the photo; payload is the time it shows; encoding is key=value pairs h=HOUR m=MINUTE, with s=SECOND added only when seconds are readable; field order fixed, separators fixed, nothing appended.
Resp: h=8 m=43
